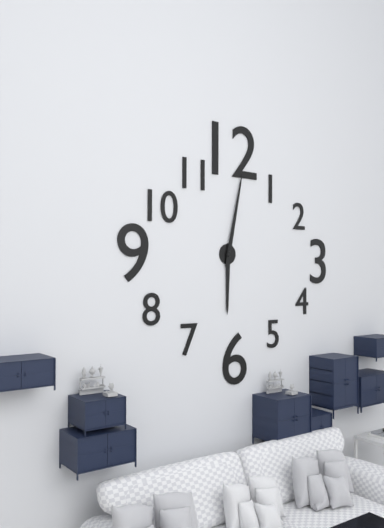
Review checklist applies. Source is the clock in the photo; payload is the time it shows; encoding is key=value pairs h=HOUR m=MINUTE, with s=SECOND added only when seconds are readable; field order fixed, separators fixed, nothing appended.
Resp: h=6 m=2
